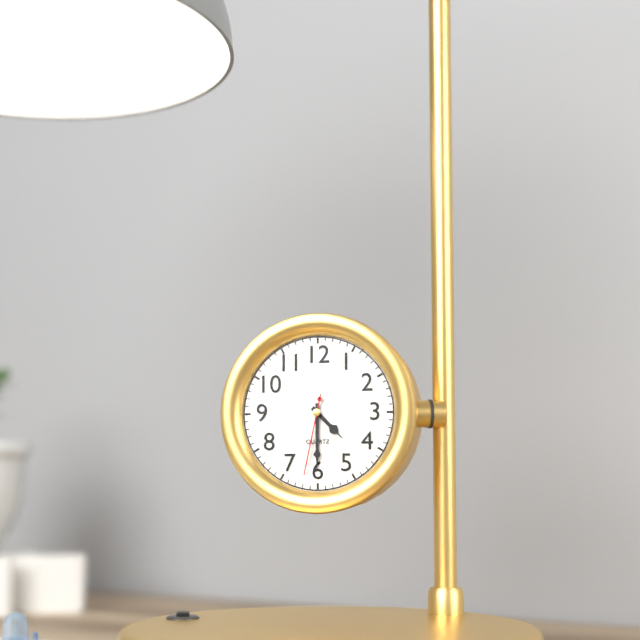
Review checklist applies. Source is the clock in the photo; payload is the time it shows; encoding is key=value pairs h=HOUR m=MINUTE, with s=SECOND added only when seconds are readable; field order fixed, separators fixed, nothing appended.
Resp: h=4 m=30 s=32
